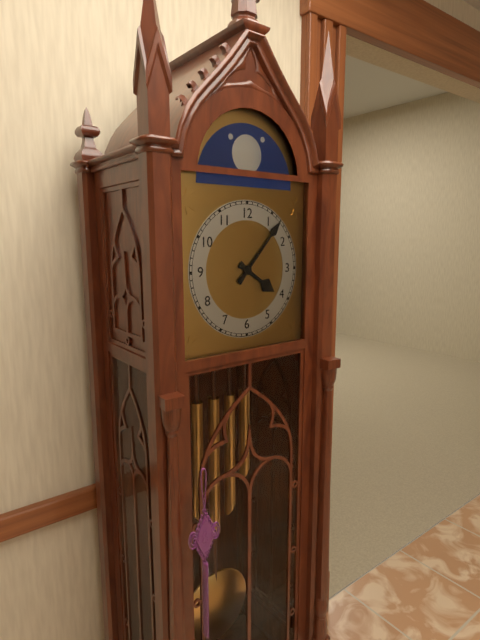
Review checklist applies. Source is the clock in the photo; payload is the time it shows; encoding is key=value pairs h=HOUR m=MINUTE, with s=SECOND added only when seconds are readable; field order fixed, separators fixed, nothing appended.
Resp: h=4 m=7
